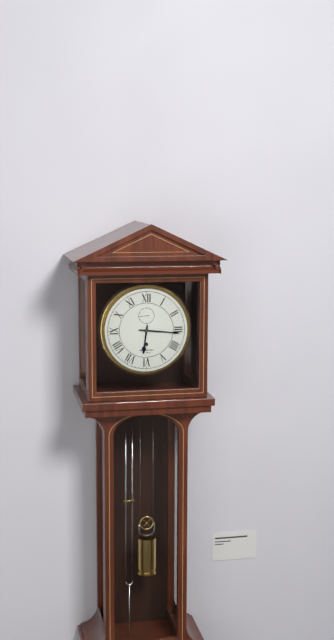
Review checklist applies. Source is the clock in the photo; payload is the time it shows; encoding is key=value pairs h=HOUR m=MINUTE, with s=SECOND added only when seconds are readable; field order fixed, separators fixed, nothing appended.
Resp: h=6 m=16
